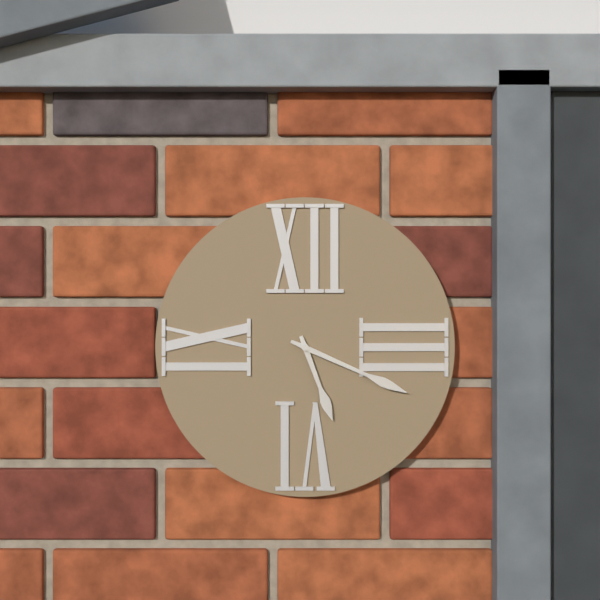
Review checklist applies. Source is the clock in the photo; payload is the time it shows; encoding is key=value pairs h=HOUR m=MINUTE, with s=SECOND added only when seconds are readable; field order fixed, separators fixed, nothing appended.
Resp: h=5 m=19
